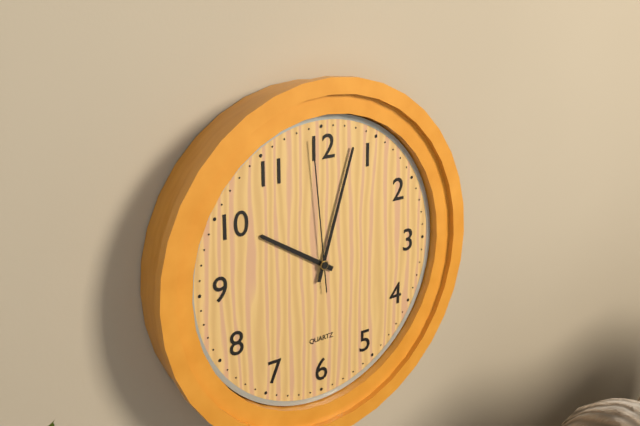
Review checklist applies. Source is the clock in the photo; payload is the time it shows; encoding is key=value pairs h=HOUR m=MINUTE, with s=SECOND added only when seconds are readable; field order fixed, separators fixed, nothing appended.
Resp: h=10 m=3 s=59
